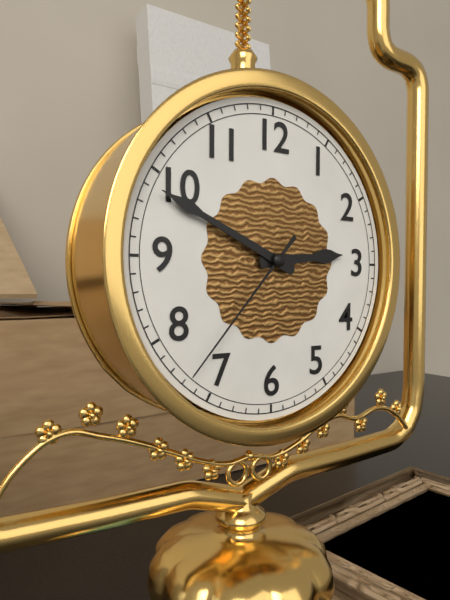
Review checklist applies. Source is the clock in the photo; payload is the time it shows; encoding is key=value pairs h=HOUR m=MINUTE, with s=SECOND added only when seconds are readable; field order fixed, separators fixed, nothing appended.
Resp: h=2 m=49 s=37
